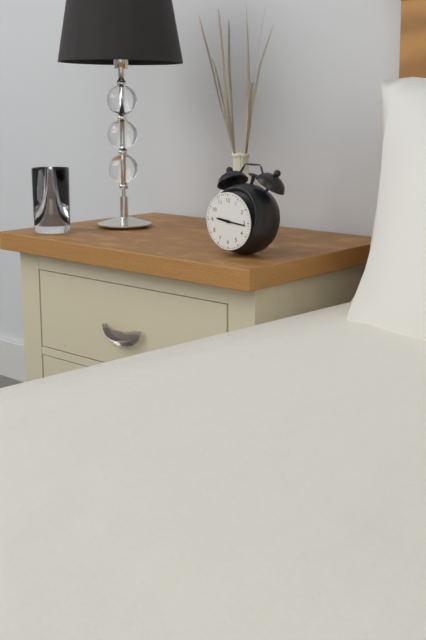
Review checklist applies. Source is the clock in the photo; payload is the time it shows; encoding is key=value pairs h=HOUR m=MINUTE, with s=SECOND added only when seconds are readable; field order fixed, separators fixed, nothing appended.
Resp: h=9 m=16
